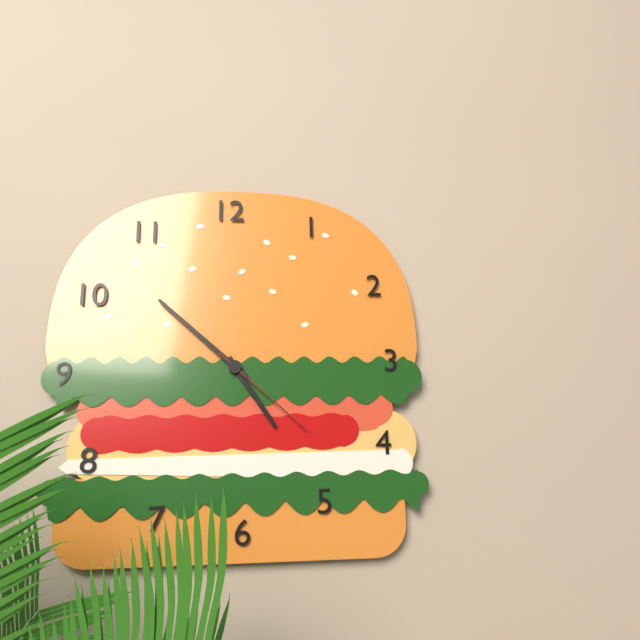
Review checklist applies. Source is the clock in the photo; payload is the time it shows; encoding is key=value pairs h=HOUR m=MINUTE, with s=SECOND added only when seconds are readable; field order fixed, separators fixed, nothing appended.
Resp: h=4 m=52 s=22
